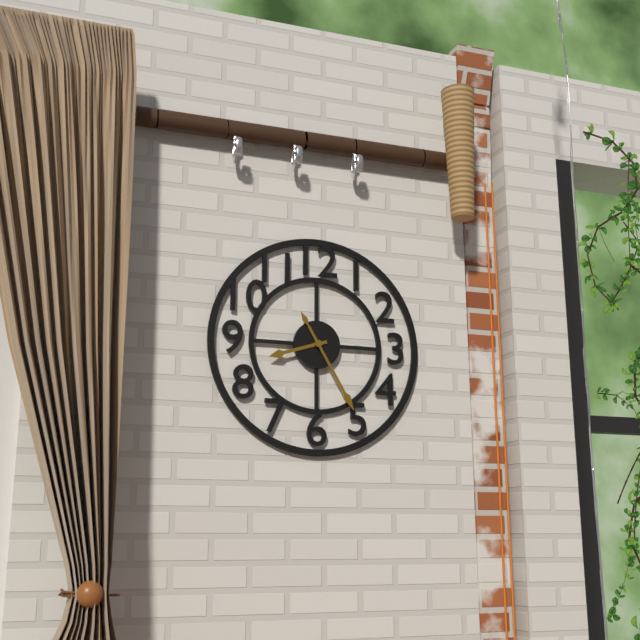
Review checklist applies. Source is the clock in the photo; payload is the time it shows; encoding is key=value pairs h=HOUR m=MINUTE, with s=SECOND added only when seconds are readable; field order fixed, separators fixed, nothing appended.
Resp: h=8 m=25
